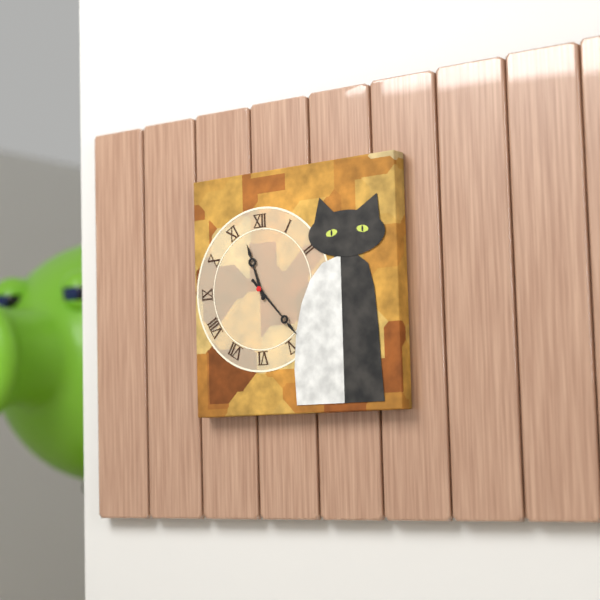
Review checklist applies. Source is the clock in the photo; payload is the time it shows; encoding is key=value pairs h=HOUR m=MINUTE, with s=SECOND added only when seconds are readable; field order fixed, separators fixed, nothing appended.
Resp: h=11 m=23
